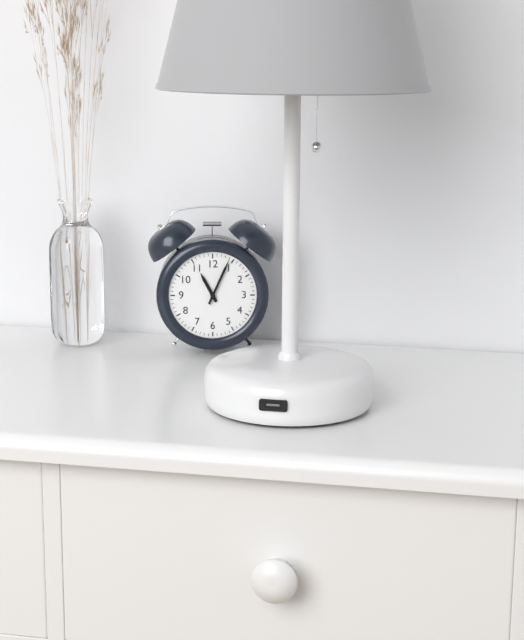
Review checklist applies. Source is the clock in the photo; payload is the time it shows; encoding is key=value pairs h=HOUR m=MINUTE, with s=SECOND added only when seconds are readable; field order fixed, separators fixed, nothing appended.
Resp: h=11 m=4
